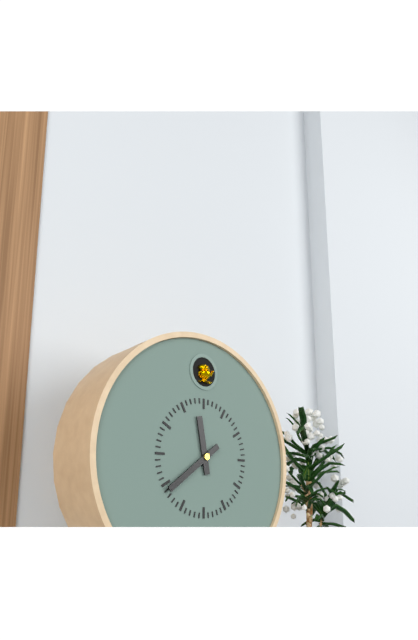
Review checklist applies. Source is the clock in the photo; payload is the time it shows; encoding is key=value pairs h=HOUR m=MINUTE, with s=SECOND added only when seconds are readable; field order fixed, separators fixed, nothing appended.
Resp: h=11 m=39
